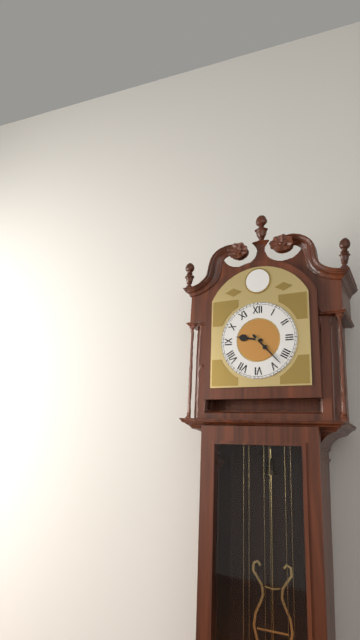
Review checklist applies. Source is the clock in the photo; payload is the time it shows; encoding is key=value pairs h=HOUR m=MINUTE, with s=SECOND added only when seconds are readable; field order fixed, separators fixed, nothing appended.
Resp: h=9 m=23
